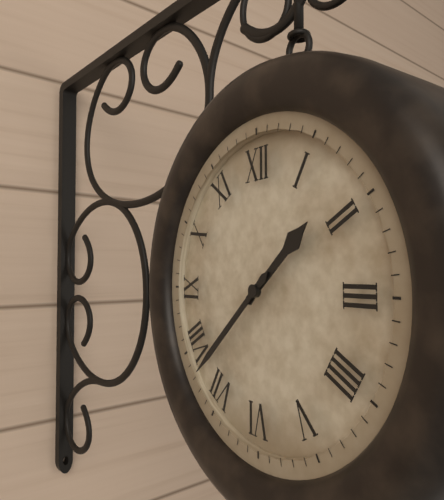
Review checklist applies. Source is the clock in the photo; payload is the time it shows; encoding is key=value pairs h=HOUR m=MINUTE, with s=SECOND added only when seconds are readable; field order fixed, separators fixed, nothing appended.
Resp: h=1 m=38
